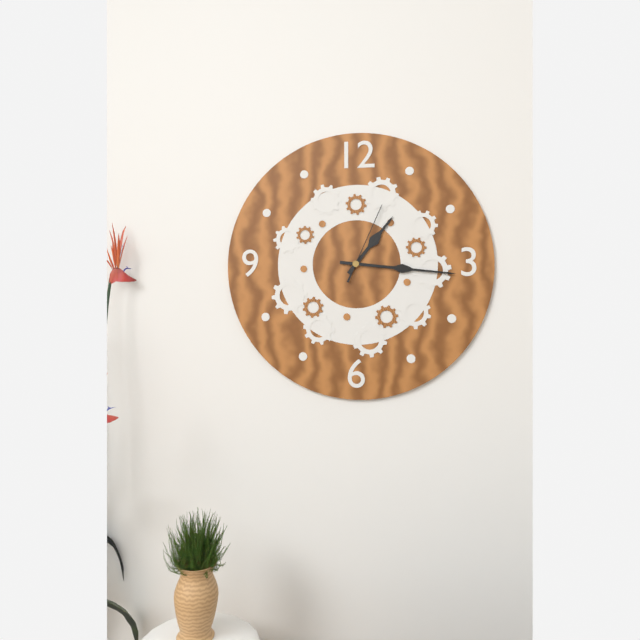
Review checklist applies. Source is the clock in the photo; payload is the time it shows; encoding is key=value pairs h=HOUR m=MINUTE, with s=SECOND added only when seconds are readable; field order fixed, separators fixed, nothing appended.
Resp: h=1 m=16 s=4
